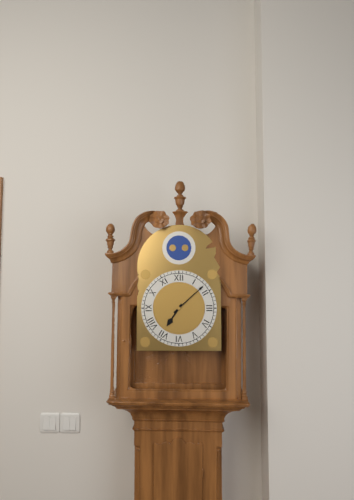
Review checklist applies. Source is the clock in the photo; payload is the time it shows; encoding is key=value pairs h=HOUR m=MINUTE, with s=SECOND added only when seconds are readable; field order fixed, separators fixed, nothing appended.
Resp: h=7 m=8
